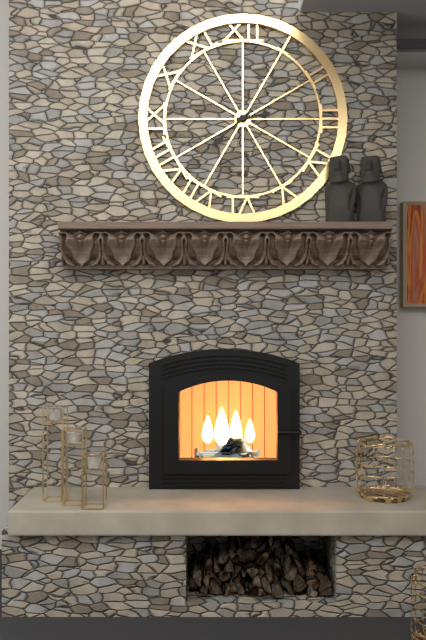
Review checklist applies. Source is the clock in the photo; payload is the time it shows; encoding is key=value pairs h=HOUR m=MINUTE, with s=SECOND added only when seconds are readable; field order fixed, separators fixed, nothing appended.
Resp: h=2 m=38
